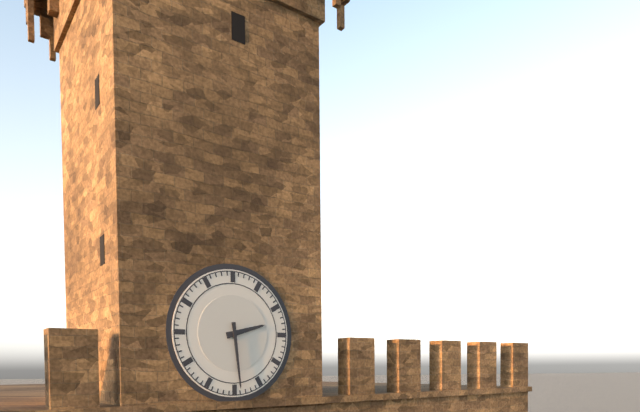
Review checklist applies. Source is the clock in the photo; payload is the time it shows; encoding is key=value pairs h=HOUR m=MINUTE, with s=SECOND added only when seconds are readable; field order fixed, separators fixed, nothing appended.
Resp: h=2 m=29
